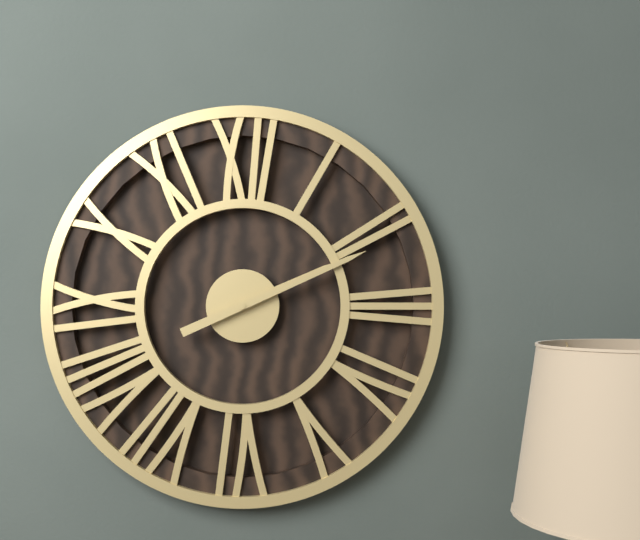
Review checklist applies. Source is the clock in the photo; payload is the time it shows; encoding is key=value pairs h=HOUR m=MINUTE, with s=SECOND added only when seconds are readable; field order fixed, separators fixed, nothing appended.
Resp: h=2 m=11
